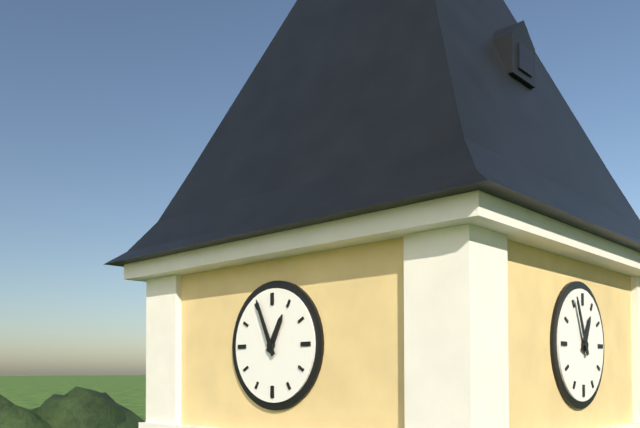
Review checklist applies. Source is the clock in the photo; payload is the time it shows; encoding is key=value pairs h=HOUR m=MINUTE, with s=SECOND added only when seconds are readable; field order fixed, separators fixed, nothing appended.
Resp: h=12 m=56
